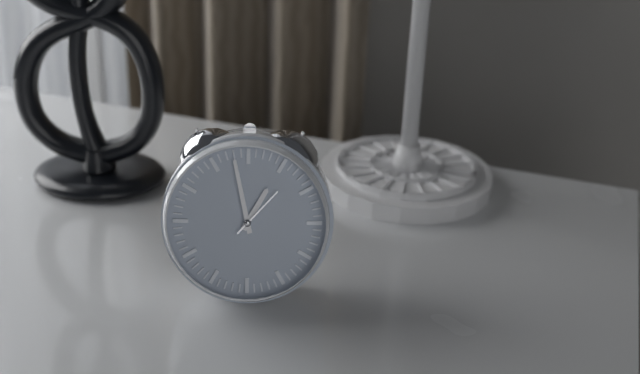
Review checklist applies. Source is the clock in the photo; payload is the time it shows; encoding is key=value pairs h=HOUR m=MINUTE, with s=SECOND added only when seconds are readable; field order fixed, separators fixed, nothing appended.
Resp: h=12 m=58 s=7
